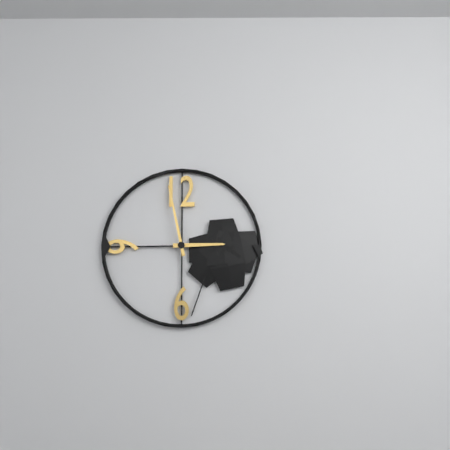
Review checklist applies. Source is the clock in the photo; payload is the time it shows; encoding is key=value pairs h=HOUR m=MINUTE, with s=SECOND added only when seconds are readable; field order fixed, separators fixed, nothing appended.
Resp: h=2 m=58
